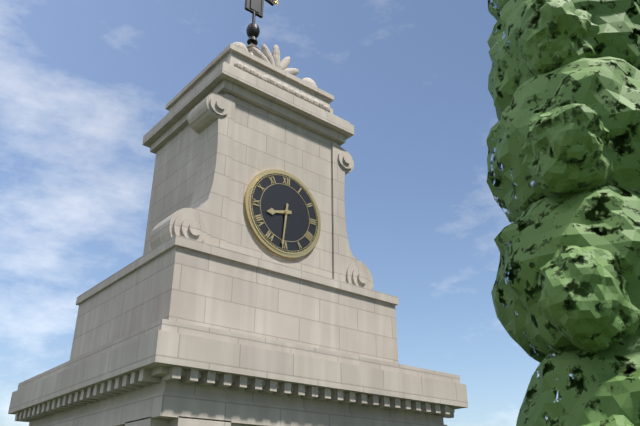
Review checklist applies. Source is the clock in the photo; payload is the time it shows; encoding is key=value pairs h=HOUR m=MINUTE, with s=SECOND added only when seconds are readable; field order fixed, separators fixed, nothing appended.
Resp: h=8 m=31
